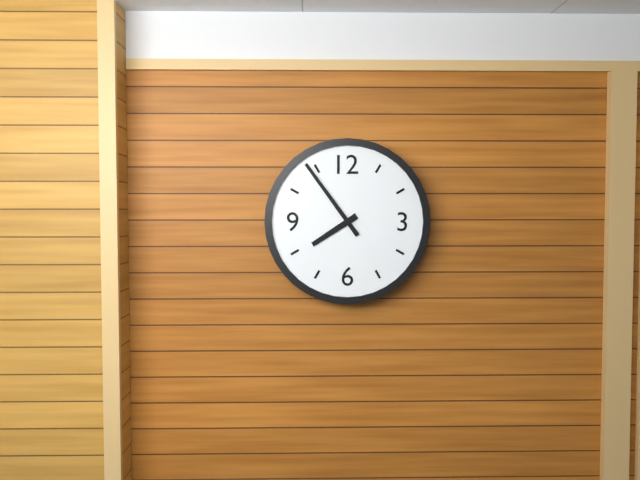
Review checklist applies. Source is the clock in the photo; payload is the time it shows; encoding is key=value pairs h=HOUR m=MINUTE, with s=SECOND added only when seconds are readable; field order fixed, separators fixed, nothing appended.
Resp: h=7 m=54
